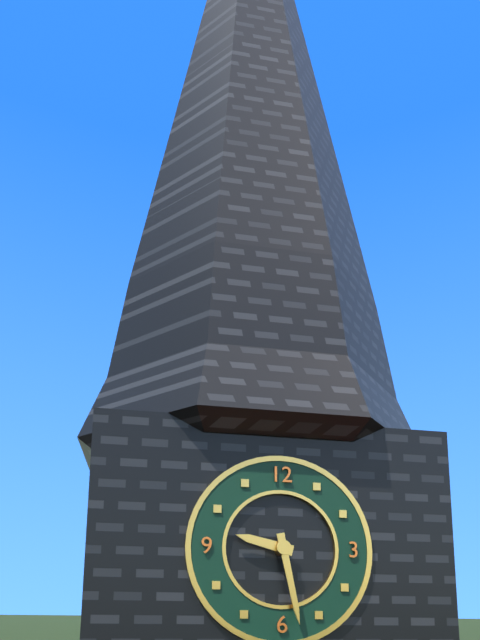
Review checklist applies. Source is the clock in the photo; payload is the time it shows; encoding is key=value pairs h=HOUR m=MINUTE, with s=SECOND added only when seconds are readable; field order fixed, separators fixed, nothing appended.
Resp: h=9 m=28
